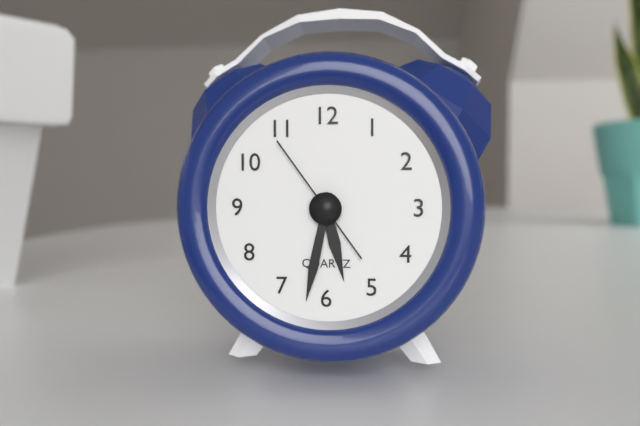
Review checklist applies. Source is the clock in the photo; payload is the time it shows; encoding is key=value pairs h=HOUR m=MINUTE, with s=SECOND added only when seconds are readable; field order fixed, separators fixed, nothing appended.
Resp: h=5 m=32 s=54
